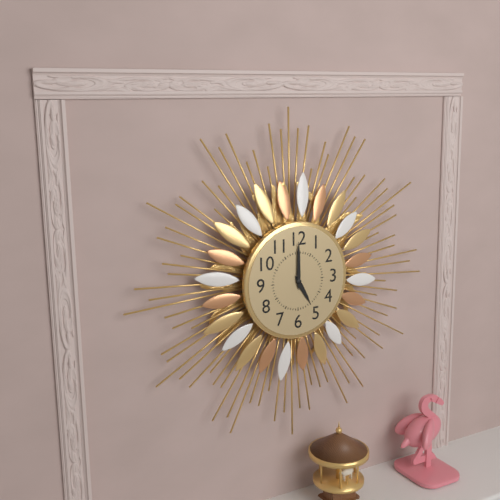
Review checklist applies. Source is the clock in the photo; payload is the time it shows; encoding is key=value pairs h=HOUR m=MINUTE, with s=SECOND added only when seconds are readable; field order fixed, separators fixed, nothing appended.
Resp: h=5 m=0
